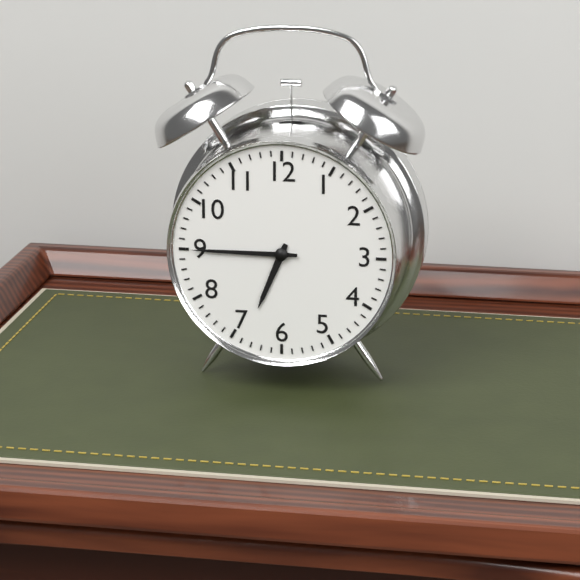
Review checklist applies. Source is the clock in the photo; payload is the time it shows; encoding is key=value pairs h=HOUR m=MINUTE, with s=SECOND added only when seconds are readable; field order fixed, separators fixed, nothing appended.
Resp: h=6 m=45
